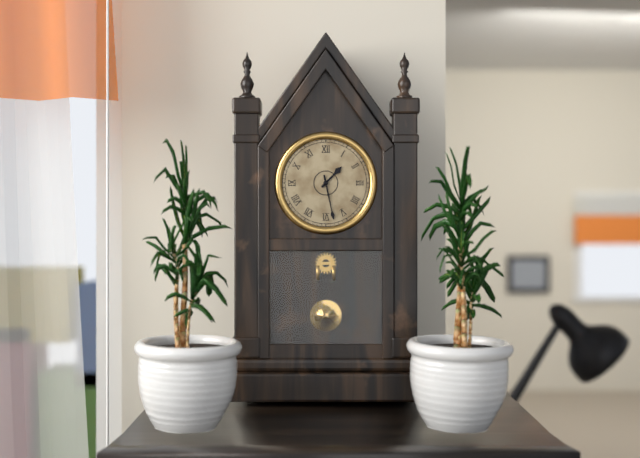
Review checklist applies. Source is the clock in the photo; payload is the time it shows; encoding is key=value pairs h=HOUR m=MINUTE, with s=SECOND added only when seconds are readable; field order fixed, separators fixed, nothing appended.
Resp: h=1 m=28
